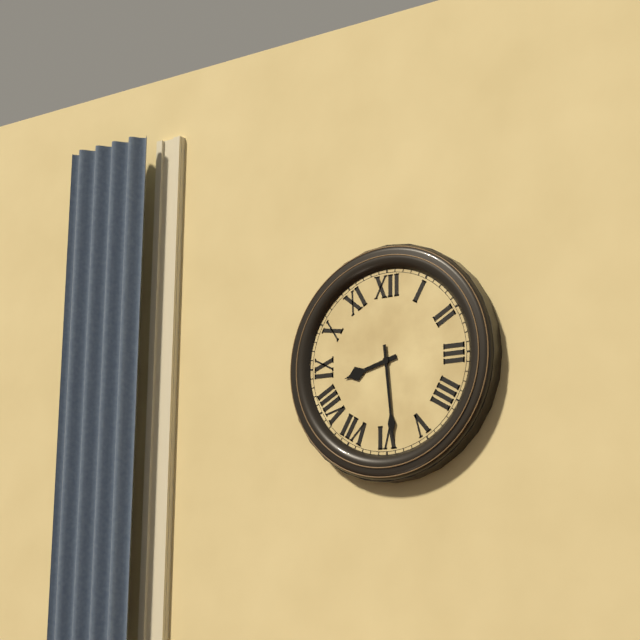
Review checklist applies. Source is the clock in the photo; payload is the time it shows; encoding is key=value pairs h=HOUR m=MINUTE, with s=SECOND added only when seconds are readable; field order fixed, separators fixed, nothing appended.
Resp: h=8 m=29
